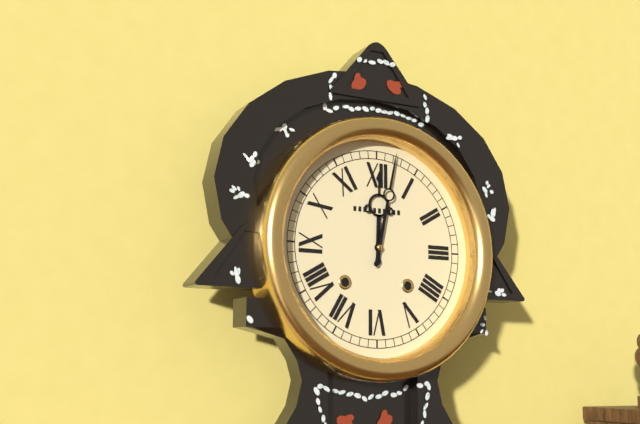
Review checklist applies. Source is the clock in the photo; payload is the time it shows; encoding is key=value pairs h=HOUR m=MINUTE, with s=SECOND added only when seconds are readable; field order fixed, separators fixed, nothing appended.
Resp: h=12 m=2
